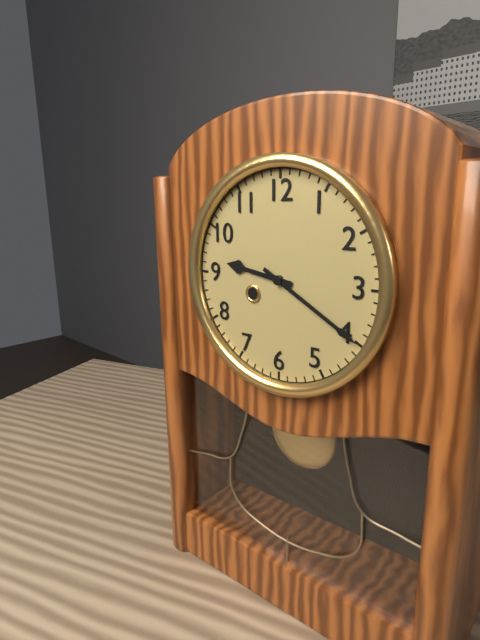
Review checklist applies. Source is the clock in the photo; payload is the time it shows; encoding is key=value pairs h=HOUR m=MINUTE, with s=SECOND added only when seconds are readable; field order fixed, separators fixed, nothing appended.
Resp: h=9 m=20
